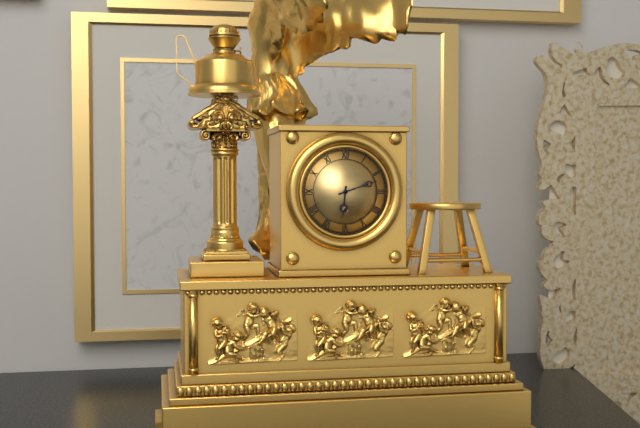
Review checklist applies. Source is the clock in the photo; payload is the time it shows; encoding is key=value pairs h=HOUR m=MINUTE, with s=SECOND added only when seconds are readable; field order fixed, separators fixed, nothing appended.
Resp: h=6 m=12
